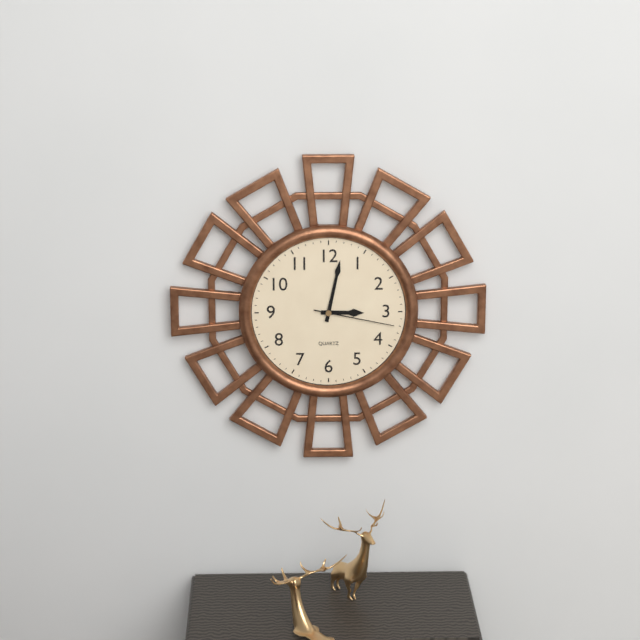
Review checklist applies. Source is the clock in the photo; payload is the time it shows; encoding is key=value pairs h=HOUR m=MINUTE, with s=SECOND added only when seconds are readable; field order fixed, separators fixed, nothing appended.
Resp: h=3 m=2 s=17
